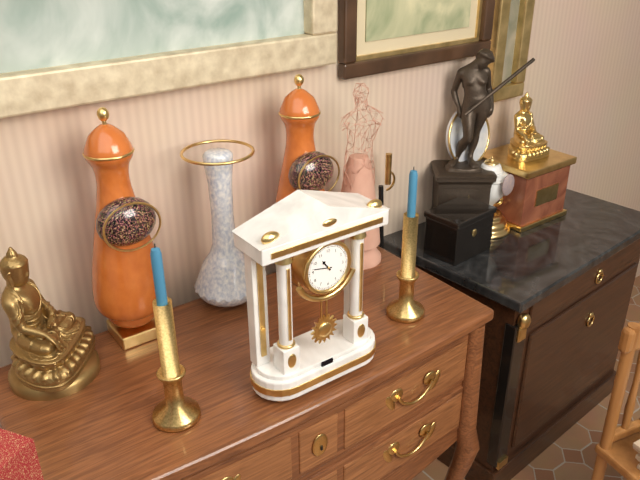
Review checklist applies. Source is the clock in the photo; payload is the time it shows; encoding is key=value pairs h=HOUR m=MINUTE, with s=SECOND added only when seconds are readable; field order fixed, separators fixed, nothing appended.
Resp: h=10 m=47
